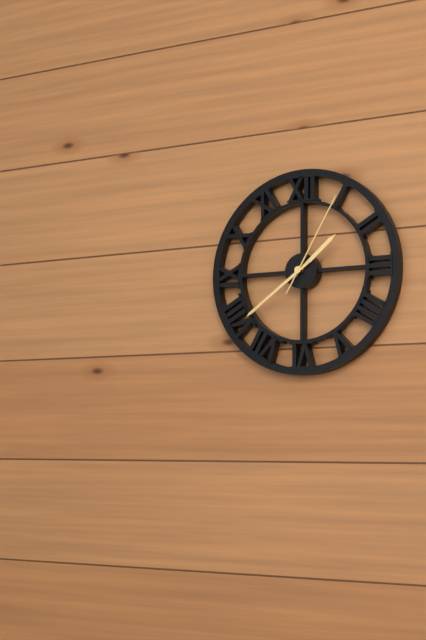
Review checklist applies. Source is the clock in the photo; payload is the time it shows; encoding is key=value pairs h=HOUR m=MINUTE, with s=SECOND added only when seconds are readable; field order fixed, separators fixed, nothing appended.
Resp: h=1 m=39 s=5
